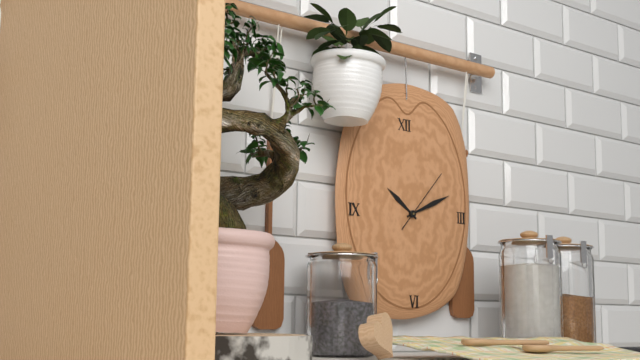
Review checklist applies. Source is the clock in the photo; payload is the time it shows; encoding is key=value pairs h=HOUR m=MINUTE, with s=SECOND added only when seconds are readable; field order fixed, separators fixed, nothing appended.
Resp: h=10 m=11 s=7
